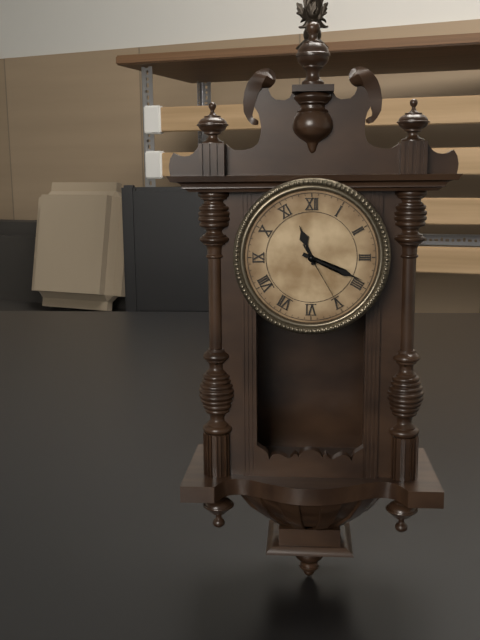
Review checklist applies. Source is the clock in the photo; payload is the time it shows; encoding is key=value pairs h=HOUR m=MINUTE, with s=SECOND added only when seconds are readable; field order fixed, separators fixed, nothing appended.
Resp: h=11 m=19 s=25
